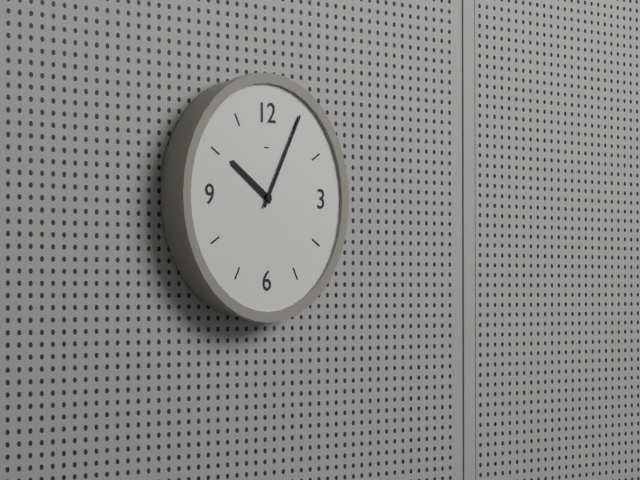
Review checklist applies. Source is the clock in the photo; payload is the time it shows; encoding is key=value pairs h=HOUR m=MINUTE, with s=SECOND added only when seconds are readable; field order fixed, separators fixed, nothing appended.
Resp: h=10 m=5
